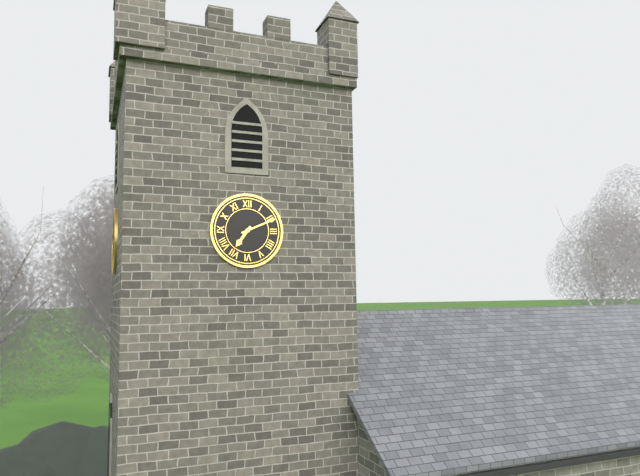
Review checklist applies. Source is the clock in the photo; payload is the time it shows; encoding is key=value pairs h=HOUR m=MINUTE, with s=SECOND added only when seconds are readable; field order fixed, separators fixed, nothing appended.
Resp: h=7 m=11
